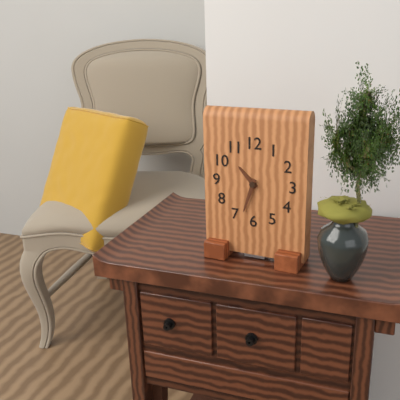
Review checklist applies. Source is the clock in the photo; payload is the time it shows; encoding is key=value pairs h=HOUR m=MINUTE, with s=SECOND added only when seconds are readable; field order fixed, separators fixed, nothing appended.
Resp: h=10 m=33
